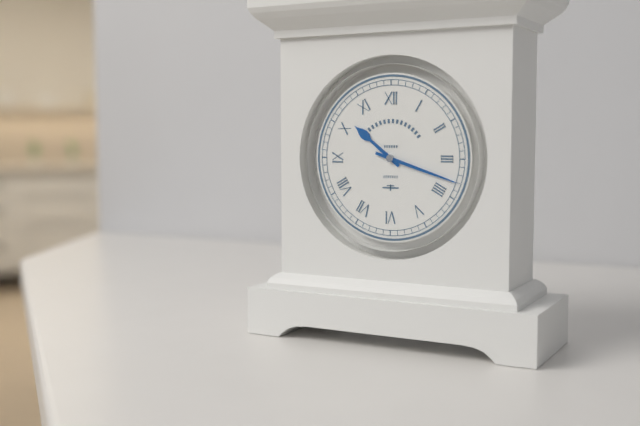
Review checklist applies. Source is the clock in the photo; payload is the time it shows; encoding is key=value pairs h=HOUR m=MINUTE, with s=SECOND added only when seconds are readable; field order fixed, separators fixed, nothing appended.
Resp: h=10 m=18
